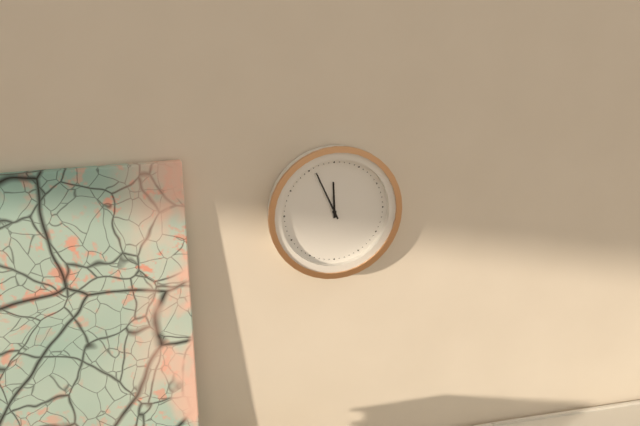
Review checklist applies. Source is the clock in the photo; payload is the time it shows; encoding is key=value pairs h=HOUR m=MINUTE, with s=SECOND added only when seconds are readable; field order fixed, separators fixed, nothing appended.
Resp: h=11 m=56
